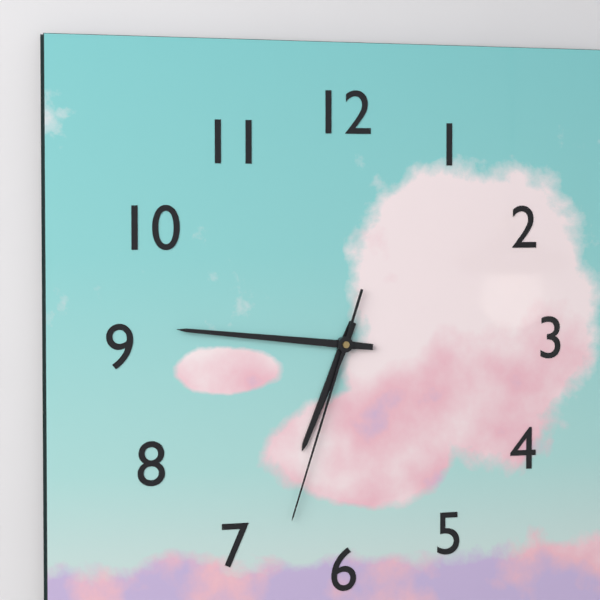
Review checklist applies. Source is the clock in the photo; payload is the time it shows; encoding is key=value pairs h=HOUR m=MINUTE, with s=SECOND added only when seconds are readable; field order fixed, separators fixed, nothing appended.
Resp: h=6 m=46 s=33
